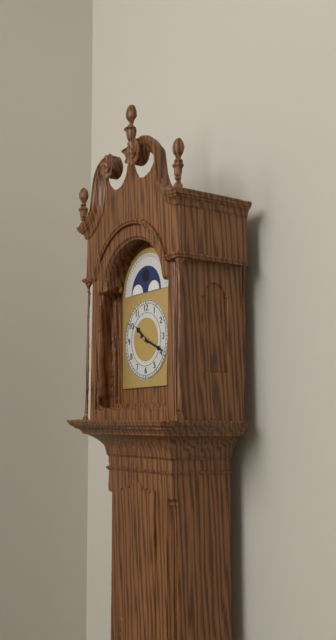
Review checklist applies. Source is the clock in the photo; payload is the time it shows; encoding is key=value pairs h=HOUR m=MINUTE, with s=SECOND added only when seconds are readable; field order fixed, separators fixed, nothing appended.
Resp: h=10 m=19
